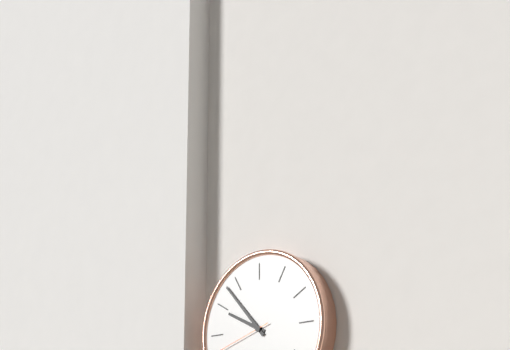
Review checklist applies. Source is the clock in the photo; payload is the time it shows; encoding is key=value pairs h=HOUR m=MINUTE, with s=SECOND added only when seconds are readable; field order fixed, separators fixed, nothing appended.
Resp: h=9 m=53
